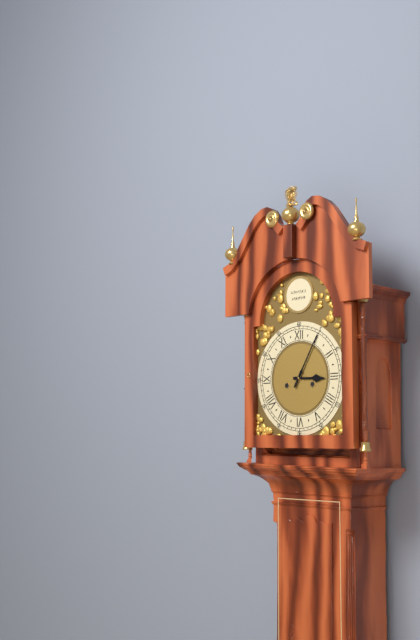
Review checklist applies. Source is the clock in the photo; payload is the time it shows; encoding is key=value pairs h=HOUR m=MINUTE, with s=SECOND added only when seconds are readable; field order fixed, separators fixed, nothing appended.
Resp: h=3 m=5
